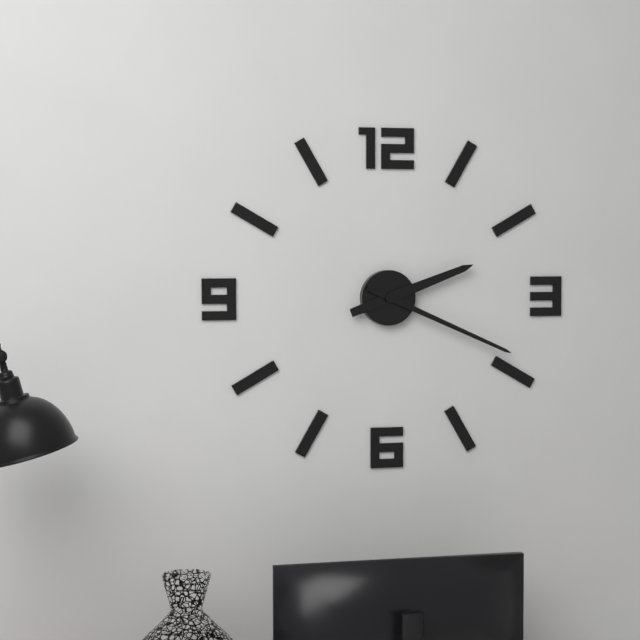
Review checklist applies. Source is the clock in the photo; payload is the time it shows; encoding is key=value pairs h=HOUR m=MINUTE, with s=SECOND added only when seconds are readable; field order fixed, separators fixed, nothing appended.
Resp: h=2 m=19
